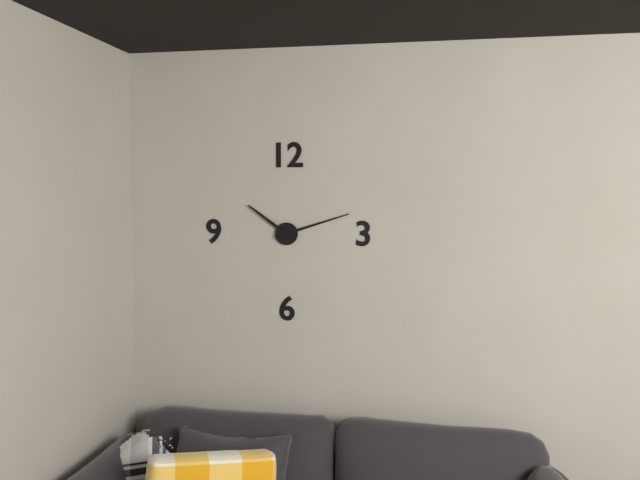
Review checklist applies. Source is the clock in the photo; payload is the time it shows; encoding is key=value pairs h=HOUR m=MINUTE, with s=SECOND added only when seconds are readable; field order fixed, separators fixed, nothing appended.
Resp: h=10 m=12
